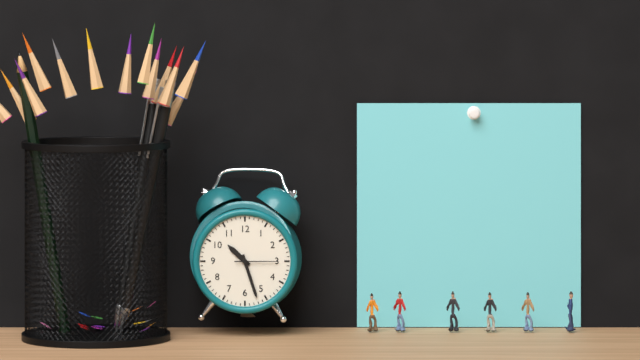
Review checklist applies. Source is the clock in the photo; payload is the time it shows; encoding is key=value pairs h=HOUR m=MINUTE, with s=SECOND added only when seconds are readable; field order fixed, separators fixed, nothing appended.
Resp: h=10 m=27
